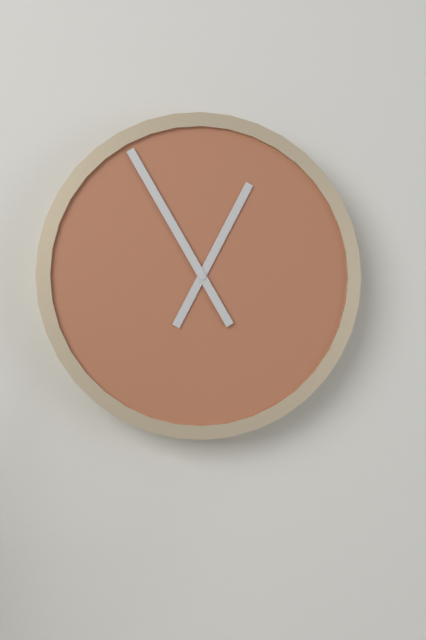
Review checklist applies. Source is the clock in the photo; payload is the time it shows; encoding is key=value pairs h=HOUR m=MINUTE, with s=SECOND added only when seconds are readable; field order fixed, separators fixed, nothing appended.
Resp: h=12 m=55
